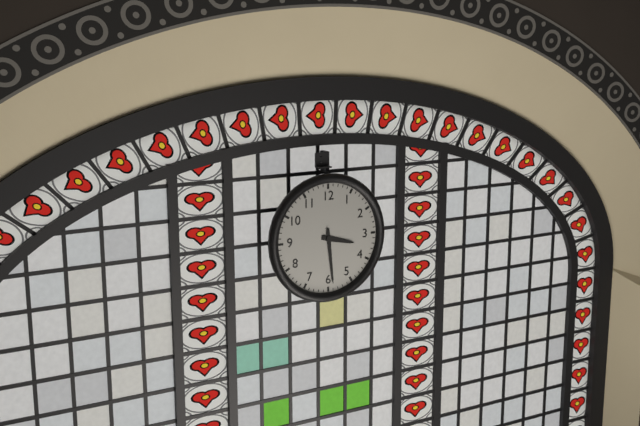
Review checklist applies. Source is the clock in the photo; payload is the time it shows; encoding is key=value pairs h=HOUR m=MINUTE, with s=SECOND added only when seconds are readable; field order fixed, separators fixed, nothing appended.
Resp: h=3 m=29
